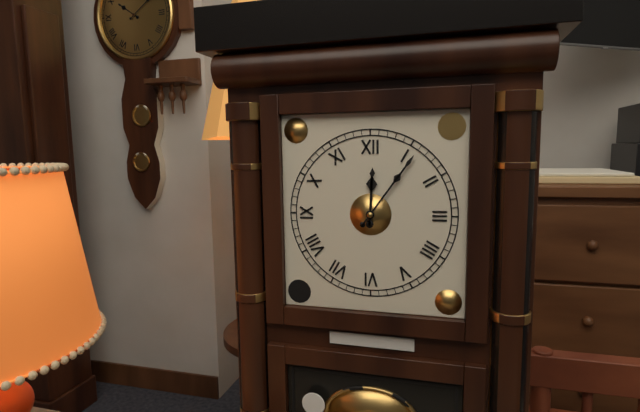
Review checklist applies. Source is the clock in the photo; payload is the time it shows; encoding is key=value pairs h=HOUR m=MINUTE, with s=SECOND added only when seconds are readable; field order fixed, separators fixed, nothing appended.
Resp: h=12 m=6
